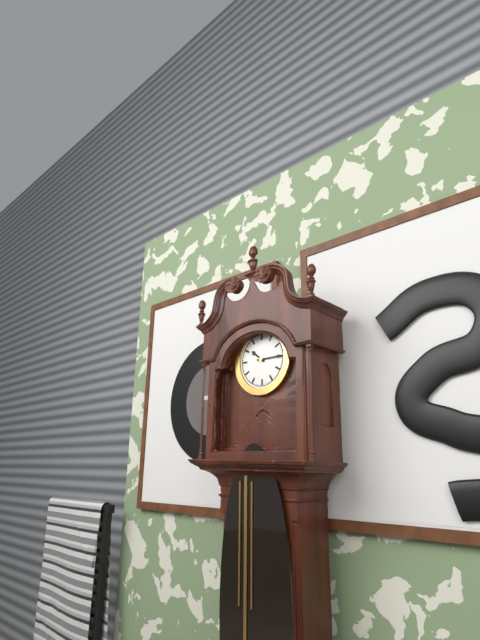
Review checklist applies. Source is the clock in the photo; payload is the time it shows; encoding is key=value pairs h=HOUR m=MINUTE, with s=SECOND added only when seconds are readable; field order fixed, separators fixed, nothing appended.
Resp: h=10 m=15
